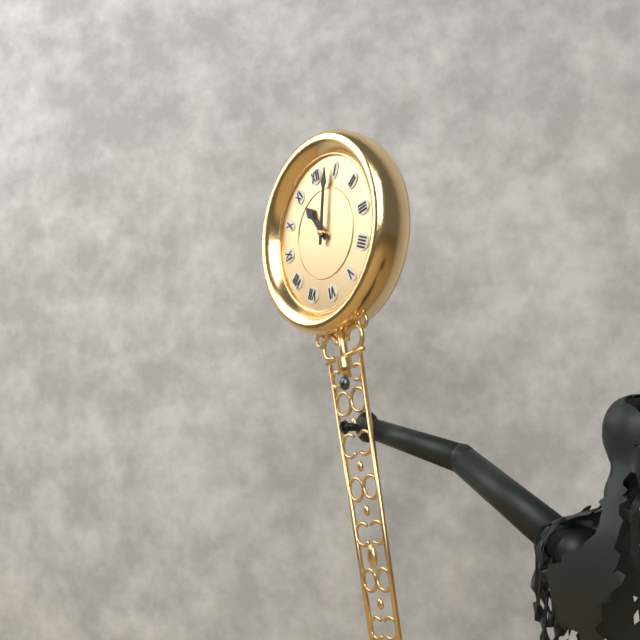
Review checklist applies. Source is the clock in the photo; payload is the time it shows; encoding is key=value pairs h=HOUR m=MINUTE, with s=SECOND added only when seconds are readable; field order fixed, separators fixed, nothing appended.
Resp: h=11 m=3
